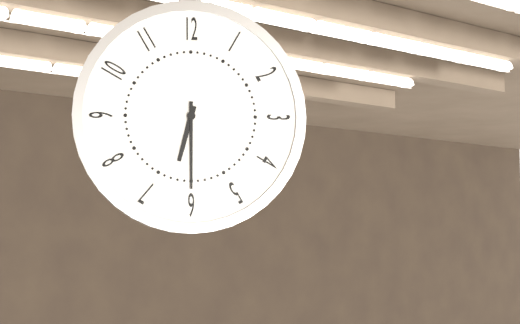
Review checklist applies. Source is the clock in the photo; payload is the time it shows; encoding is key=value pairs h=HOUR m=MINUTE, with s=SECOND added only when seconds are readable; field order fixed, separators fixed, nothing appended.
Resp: h=6 m=30
